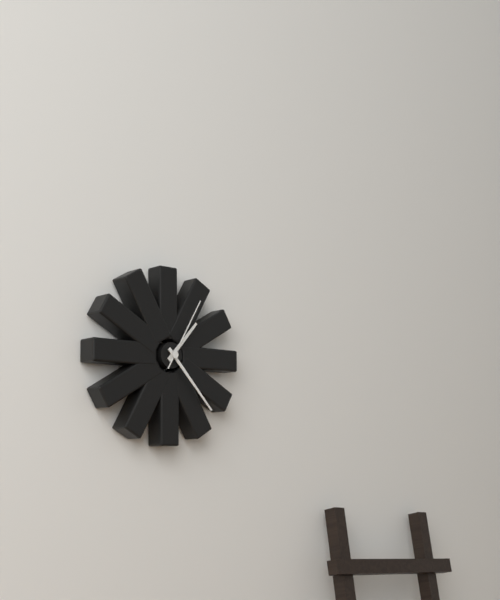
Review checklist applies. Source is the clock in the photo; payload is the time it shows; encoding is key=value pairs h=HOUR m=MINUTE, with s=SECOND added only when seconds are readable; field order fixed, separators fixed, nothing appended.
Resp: h=1 m=23 s=5
